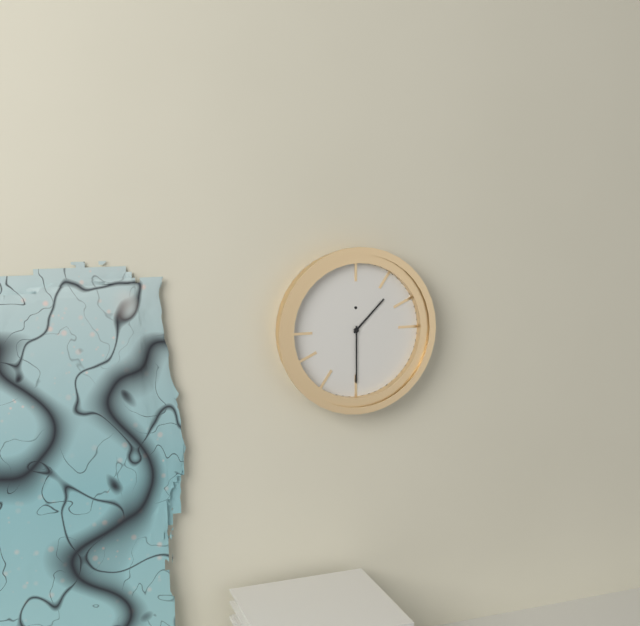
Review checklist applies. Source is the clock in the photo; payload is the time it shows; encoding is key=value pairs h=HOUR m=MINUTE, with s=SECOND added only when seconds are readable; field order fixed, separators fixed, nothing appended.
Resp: h=1 m=30
